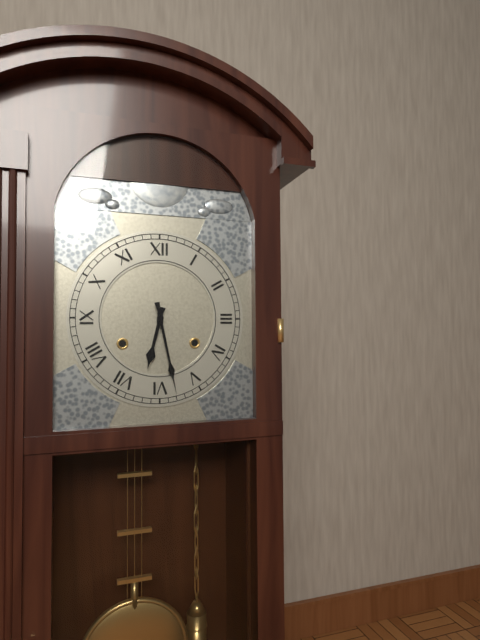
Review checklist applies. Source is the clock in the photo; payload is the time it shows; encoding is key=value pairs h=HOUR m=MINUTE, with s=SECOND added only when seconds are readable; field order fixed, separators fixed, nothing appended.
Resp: h=6 m=28
